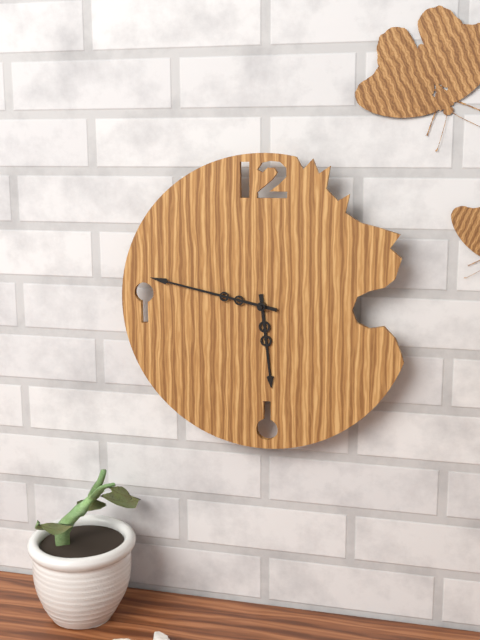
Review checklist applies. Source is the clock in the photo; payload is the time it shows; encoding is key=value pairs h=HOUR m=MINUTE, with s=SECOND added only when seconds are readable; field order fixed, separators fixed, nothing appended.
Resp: h=5 m=47
